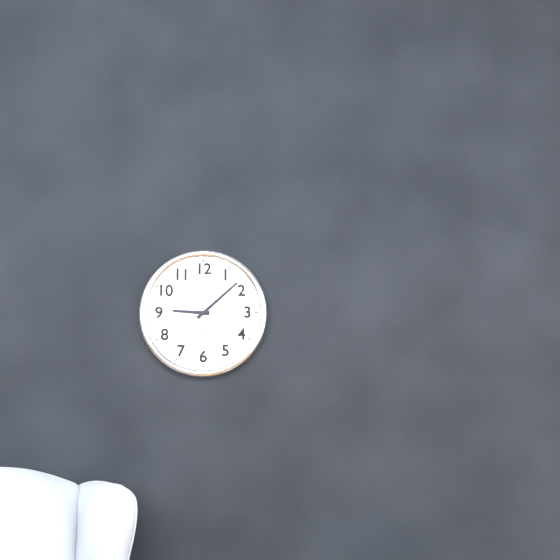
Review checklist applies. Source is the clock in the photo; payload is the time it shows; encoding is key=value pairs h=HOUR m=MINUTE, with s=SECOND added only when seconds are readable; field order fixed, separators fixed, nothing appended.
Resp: h=9 m=8
